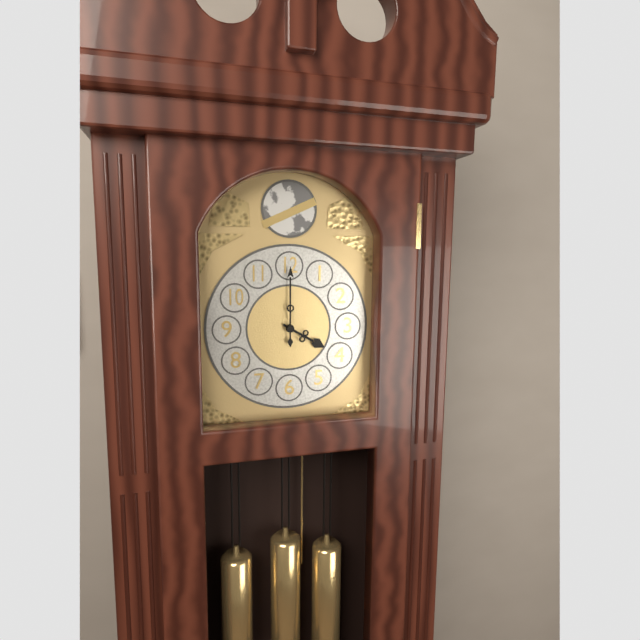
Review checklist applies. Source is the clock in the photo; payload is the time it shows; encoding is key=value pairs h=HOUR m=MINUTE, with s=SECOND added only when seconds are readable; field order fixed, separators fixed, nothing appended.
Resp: h=4 m=0
